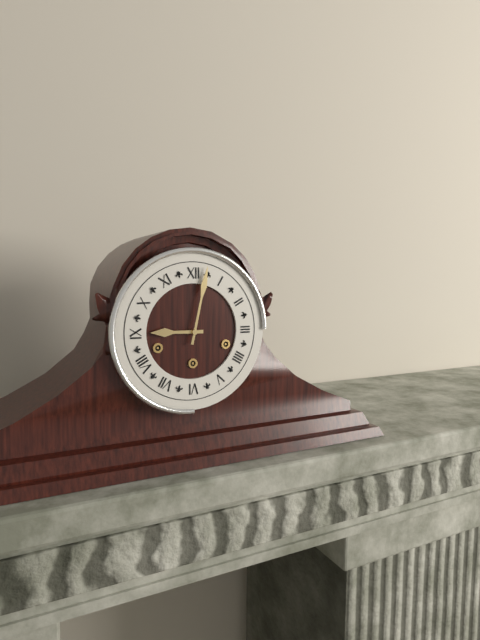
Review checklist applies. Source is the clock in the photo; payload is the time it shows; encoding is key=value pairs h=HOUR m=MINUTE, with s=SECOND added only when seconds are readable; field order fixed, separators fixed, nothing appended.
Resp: h=9 m=2
